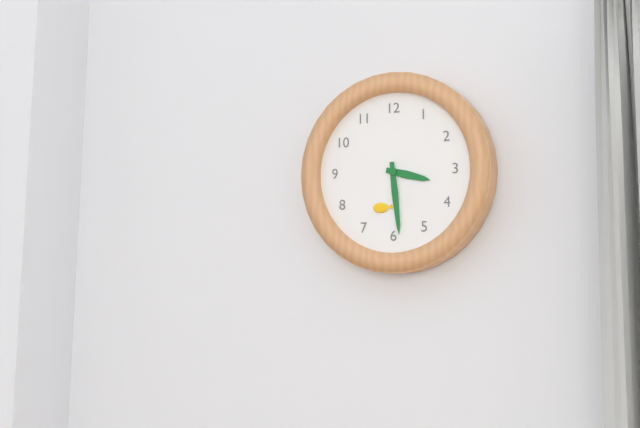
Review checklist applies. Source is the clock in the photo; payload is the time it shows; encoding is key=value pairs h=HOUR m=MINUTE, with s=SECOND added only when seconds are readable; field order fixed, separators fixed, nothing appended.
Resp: h=3 m=29
